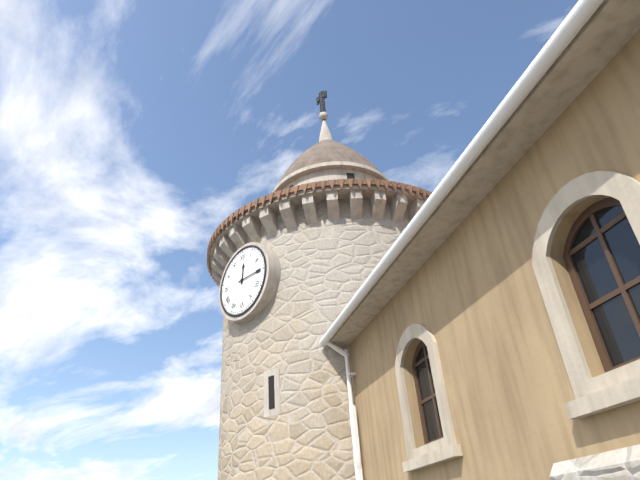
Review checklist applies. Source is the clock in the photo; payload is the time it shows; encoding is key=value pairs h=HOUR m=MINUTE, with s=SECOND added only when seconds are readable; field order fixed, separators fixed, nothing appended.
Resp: h=12 m=15
